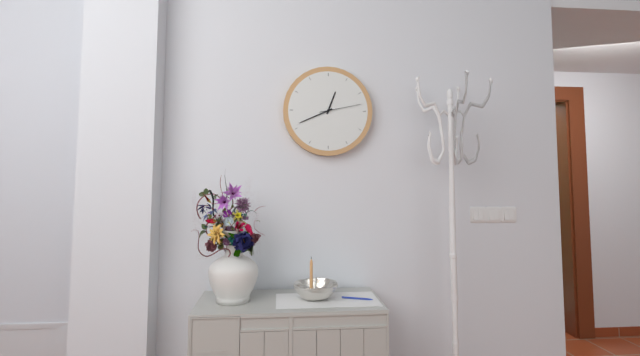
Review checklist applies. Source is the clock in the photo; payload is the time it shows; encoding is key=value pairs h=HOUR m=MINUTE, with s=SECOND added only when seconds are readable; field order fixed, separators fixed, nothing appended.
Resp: h=12 m=41
